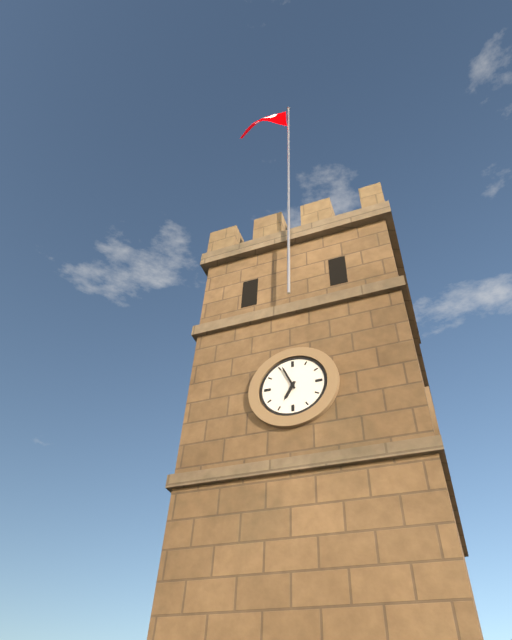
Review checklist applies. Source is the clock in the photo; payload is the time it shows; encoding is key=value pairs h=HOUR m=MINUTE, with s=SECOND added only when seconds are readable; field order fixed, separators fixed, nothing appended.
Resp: h=6 m=56
